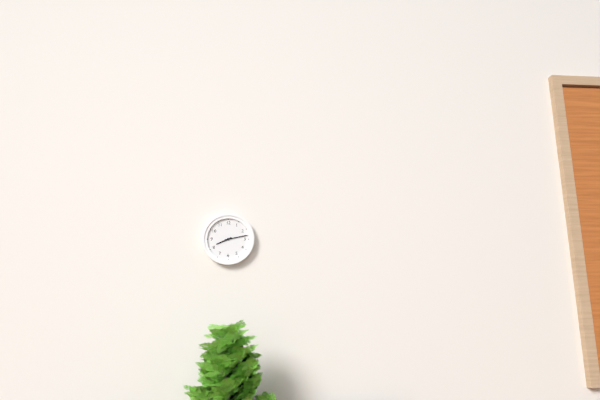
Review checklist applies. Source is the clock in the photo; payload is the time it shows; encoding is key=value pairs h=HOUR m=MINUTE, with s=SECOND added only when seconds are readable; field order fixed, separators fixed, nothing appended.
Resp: h=8 m=13
